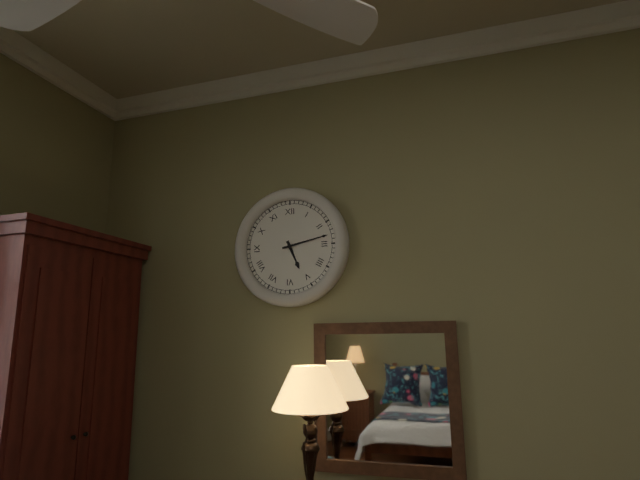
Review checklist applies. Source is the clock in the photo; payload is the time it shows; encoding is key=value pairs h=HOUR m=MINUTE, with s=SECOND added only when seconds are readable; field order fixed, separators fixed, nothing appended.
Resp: h=5 m=13
